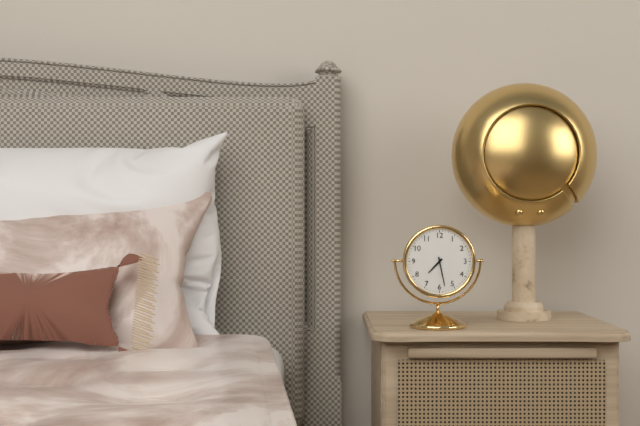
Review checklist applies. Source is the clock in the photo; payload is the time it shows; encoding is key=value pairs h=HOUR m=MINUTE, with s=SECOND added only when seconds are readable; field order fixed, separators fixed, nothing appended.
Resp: h=7 m=28
